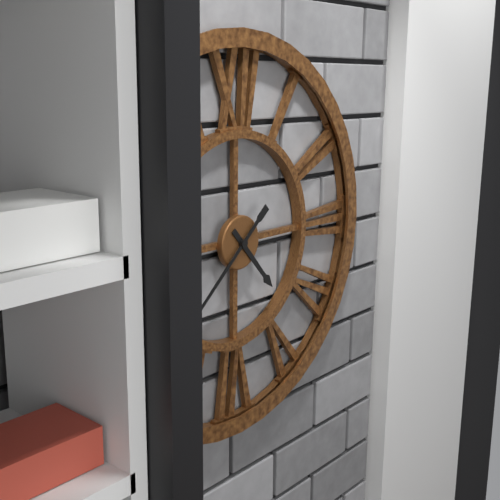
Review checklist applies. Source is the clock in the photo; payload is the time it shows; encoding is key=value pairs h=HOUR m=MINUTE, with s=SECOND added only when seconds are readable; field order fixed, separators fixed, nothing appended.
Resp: h=4 m=38
